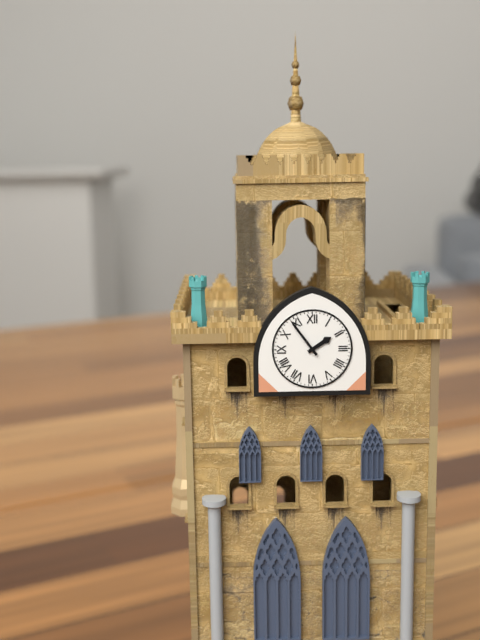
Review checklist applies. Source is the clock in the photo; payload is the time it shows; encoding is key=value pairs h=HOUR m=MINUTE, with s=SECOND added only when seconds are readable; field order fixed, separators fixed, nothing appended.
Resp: h=1 m=54
